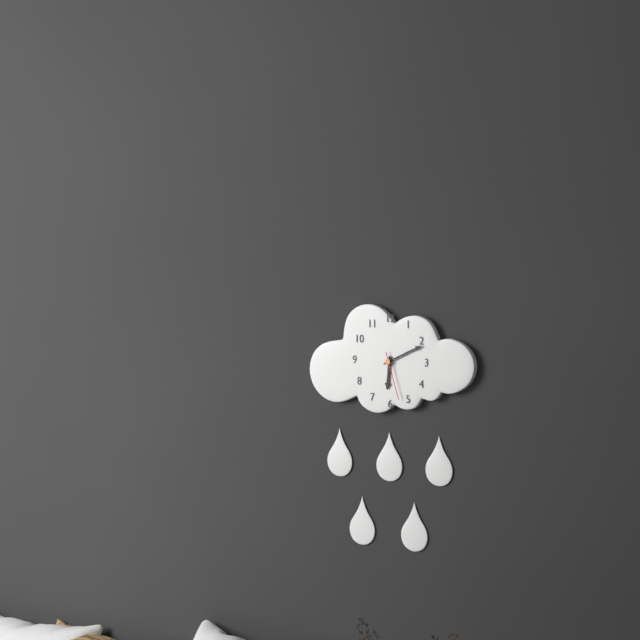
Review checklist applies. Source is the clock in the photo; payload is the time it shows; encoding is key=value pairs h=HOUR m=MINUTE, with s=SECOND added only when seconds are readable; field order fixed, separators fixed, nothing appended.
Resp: h=6 m=11
